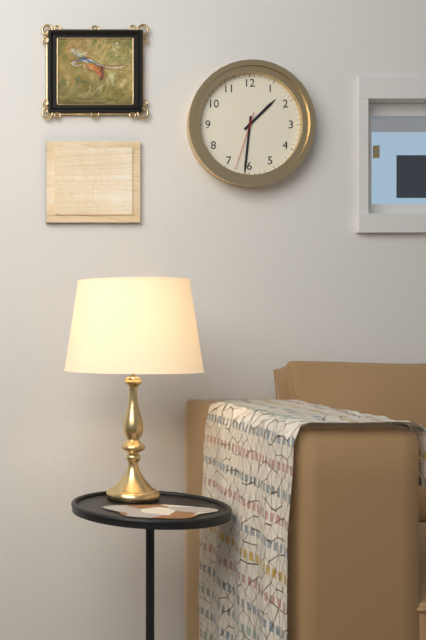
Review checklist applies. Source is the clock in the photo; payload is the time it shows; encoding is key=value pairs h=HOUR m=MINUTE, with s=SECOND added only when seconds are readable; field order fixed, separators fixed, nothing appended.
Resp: h=1 m=31 s=33
